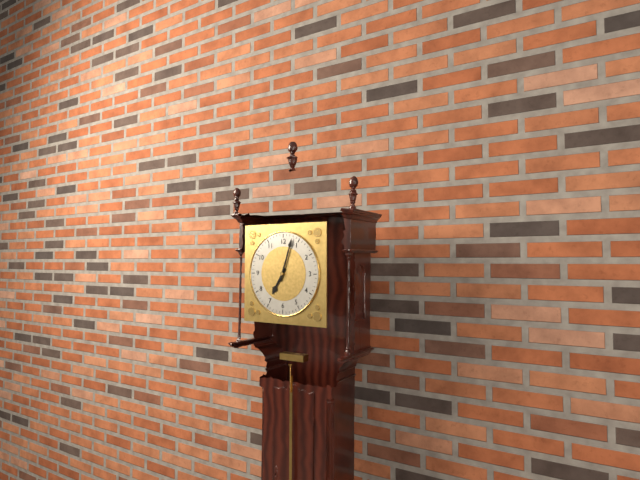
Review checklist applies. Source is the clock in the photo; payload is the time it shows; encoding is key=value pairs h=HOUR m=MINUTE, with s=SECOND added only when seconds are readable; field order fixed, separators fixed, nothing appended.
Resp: h=7 m=3
